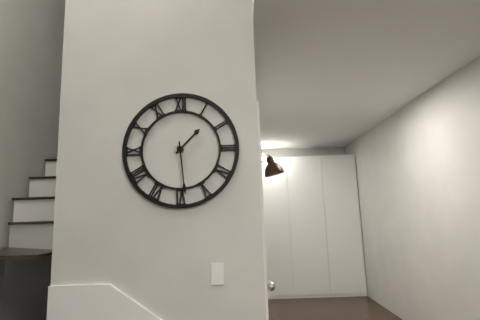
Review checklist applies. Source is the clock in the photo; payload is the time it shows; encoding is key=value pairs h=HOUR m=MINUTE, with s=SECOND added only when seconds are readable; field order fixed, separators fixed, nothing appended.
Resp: h=1 m=29
